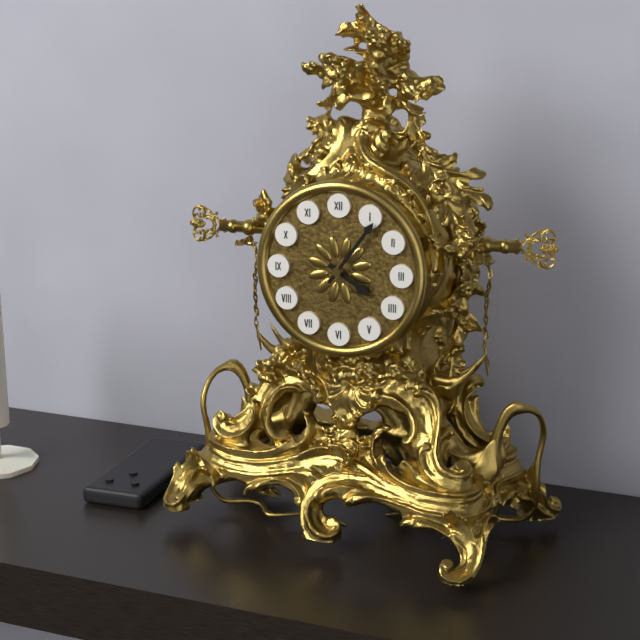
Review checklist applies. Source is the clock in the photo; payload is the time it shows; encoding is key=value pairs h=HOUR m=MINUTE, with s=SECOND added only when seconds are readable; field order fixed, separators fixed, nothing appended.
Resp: h=4 m=6
